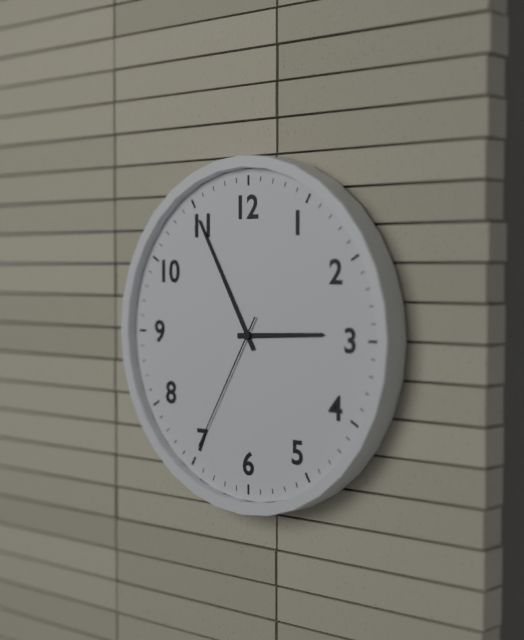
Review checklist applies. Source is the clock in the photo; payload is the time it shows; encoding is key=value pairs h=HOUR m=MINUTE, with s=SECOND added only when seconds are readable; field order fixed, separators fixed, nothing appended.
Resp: h=2 m=55 s=35
